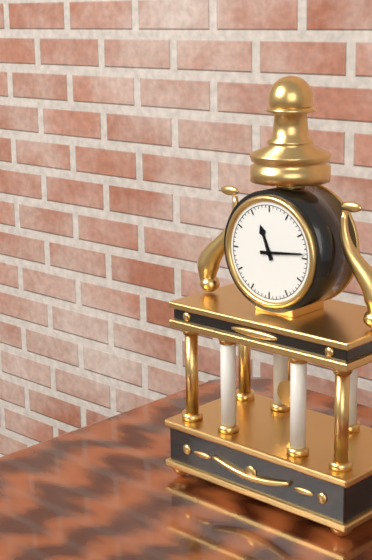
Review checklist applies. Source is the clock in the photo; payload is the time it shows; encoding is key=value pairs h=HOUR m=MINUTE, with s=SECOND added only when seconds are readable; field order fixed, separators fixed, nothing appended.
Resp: h=11 m=14
